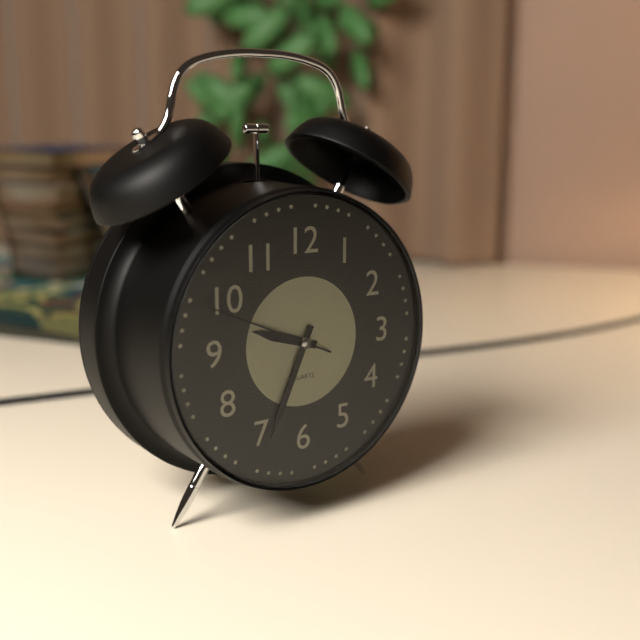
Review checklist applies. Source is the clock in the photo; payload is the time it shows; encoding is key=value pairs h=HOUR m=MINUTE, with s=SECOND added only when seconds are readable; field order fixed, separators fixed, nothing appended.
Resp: h=9 m=34 s=49
